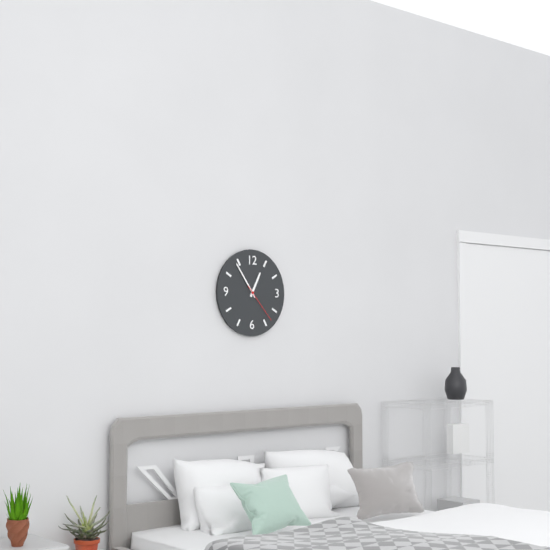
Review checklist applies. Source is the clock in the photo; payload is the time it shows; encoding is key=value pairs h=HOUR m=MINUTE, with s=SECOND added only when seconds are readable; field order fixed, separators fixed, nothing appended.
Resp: h=12 m=54
